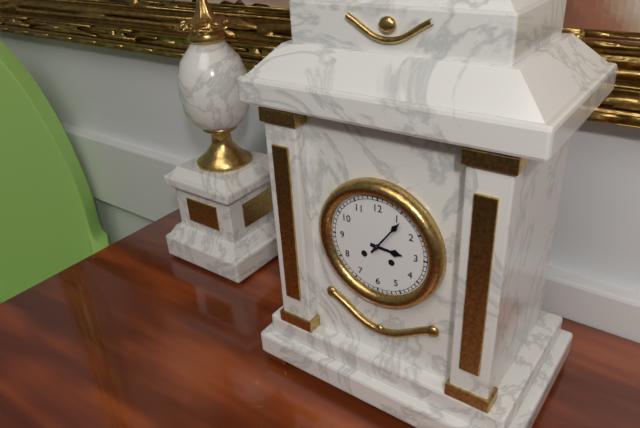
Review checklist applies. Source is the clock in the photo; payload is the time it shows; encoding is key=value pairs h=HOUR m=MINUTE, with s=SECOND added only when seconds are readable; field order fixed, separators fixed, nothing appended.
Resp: h=3 m=6
